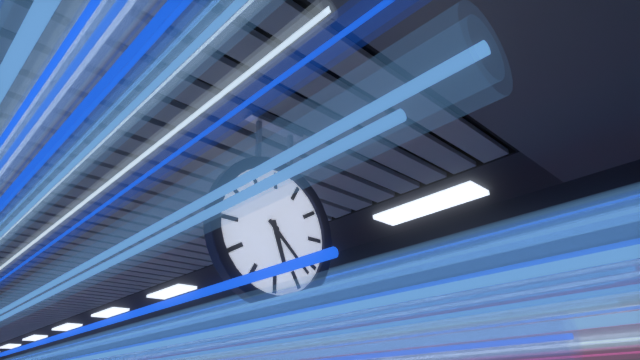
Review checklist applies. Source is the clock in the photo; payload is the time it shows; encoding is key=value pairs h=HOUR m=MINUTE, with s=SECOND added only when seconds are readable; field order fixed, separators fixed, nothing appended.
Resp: h=5 m=22
